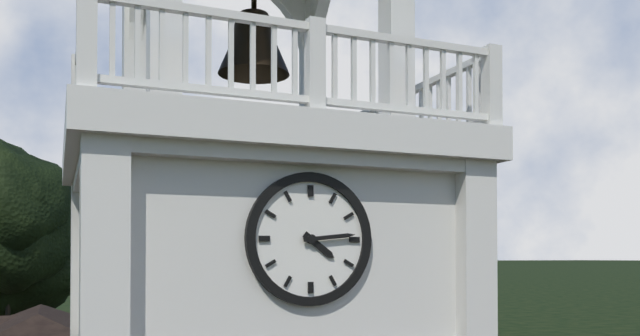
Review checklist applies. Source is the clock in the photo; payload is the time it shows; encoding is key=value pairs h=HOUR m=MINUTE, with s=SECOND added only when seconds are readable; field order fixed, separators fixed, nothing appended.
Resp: h=4 m=14
